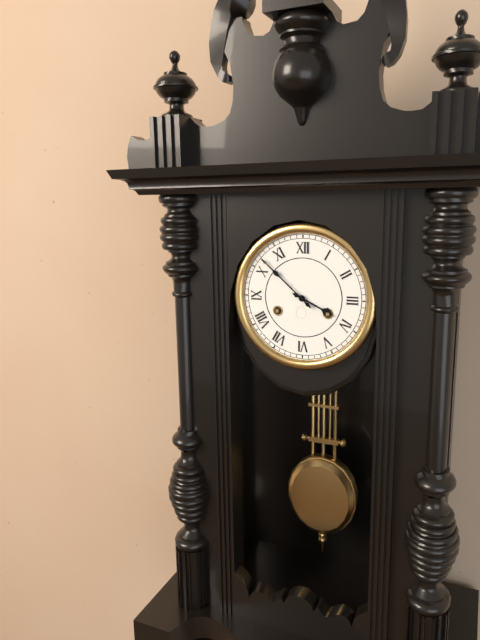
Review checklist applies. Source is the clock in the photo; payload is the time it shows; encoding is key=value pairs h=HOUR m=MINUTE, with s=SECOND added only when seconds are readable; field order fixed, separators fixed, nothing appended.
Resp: h=3 m=52
